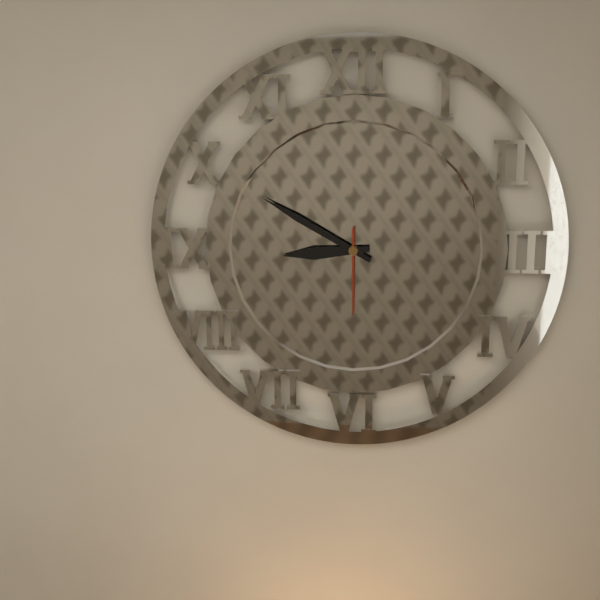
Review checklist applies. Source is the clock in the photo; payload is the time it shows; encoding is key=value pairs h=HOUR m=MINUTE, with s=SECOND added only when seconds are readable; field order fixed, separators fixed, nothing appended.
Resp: h=8 m=50 s=30
